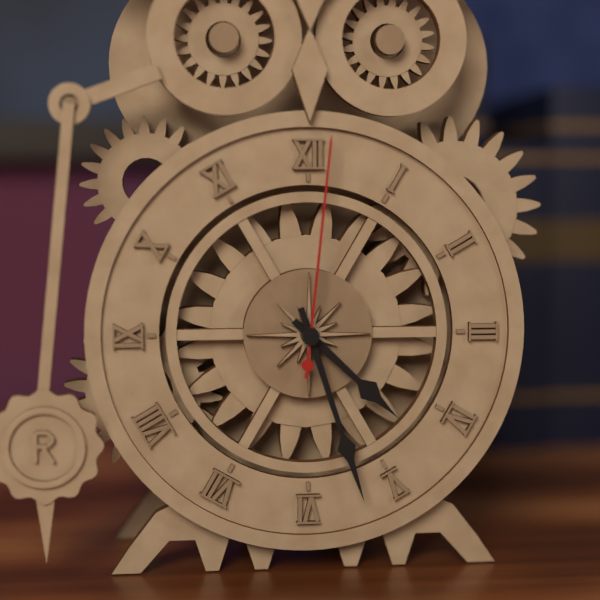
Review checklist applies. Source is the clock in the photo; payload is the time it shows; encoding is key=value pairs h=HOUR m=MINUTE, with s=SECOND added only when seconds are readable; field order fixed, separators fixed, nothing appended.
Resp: h=4 m=27 s=1
